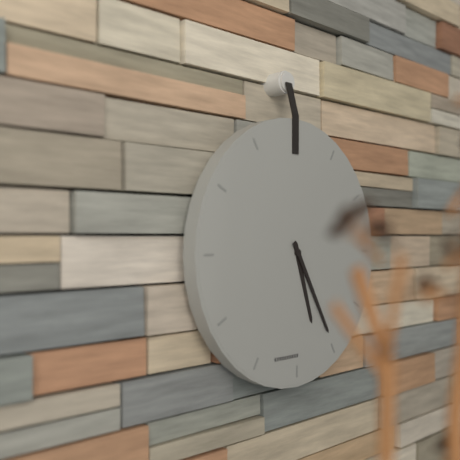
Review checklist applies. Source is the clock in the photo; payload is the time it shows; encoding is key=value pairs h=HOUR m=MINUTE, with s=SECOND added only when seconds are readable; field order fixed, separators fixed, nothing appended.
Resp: h=5 m=25
